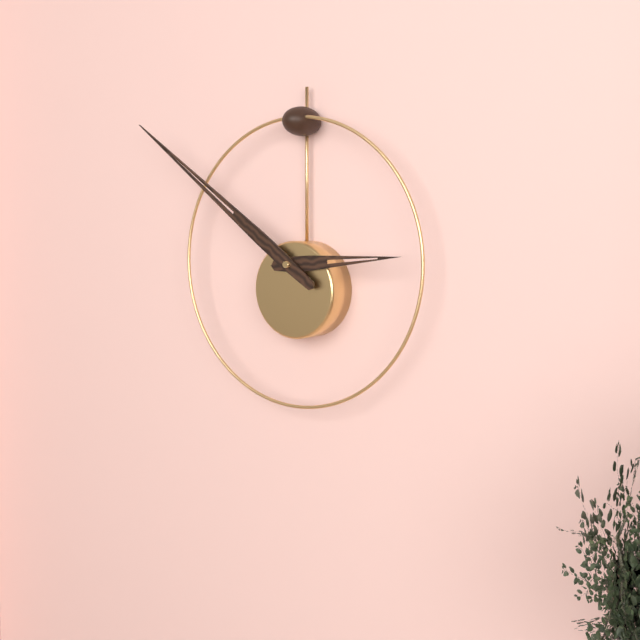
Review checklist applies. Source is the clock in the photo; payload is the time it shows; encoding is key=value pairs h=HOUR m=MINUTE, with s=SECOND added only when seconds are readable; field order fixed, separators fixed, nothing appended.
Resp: h=2 m=51
